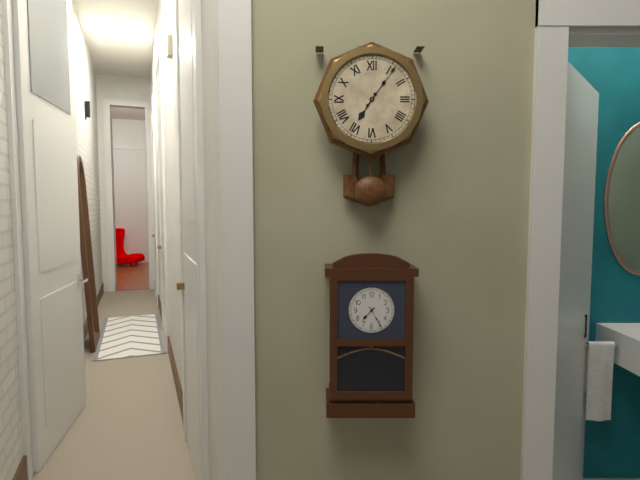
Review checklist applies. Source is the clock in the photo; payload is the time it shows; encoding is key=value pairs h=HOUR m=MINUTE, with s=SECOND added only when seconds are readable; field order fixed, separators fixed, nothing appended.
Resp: h=7 m=6
